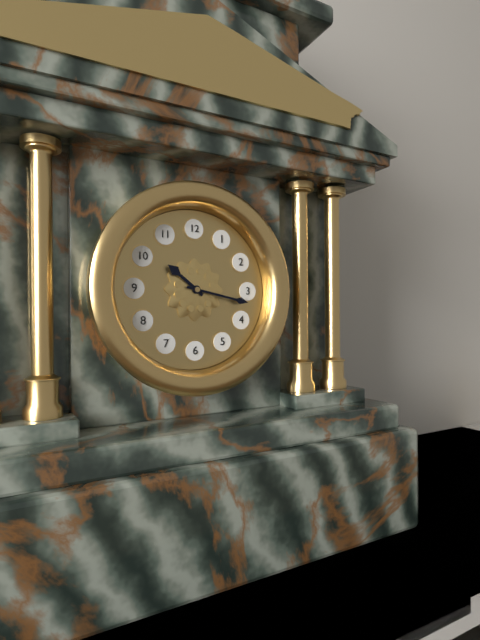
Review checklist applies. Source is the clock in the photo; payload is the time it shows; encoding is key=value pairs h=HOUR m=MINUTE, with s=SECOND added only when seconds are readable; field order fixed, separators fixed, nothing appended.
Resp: h=10 m=17
